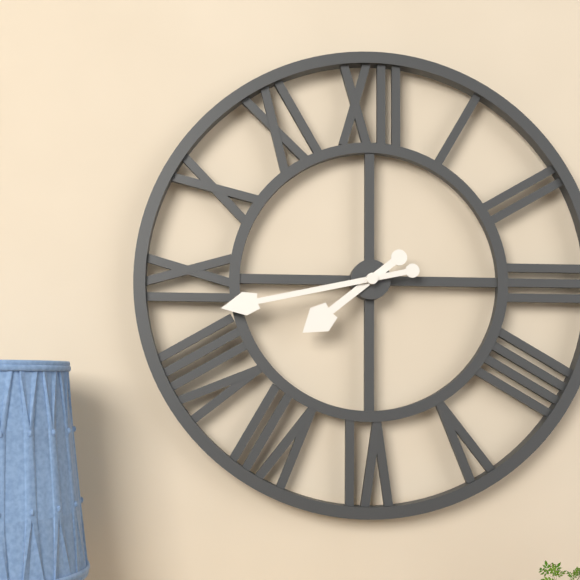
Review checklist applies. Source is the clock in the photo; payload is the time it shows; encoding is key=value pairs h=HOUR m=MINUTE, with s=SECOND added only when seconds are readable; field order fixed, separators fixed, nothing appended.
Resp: h=7 m=43
